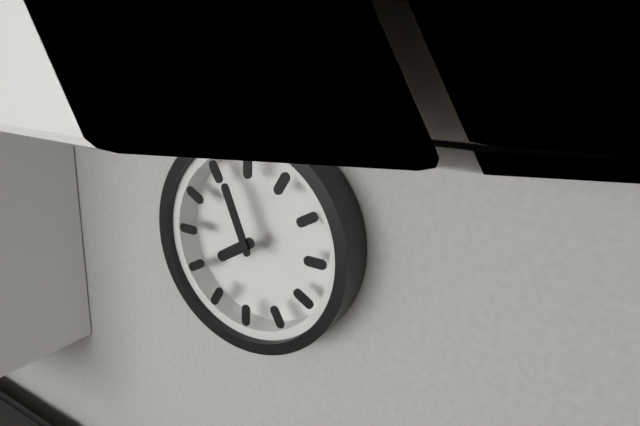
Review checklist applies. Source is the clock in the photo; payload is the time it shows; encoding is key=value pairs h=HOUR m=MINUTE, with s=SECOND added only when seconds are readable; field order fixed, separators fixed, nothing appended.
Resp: h=7 m=56
